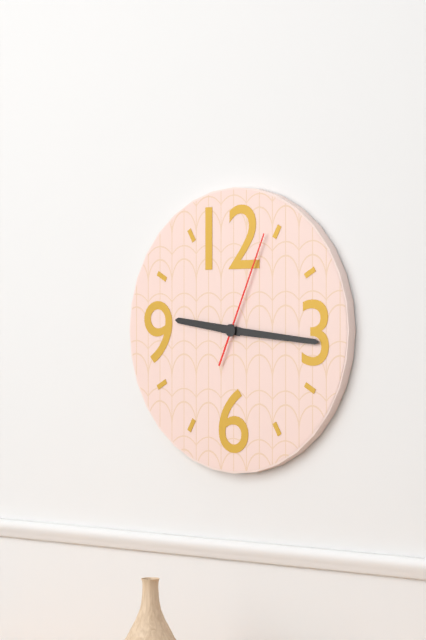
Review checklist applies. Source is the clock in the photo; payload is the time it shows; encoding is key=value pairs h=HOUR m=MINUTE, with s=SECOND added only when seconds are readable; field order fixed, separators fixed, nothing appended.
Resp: h=9 m=16 s=4
